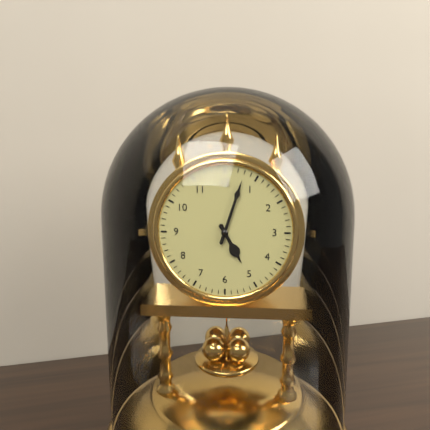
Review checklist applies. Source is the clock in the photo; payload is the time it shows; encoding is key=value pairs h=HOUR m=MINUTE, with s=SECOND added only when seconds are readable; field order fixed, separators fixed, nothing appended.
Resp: h=5 m=3
